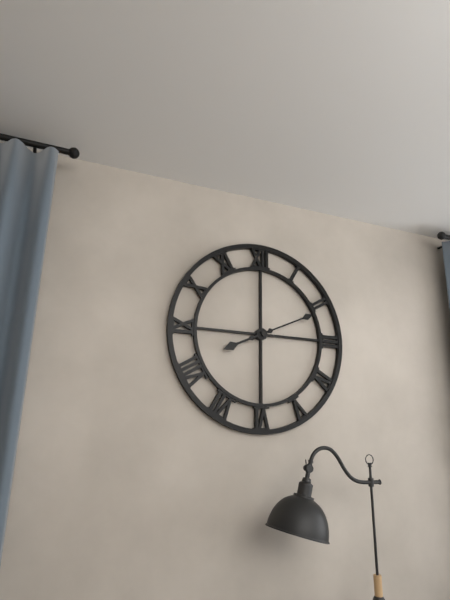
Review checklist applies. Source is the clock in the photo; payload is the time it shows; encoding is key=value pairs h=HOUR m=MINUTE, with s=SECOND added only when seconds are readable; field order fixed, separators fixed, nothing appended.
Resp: h=8 m=11
